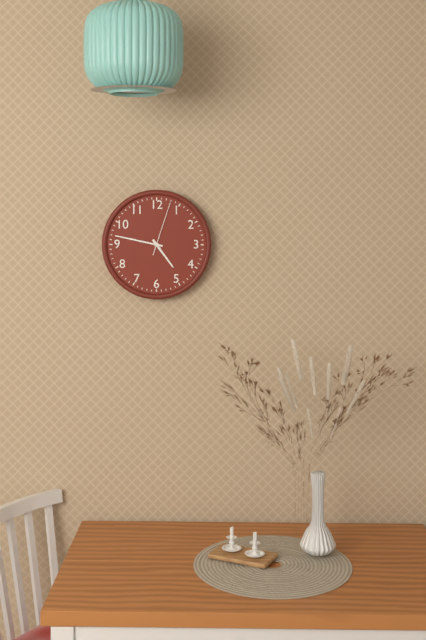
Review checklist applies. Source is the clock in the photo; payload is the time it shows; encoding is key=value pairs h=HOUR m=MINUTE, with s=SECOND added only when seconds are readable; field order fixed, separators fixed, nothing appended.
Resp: h=4 m=47 s=3
